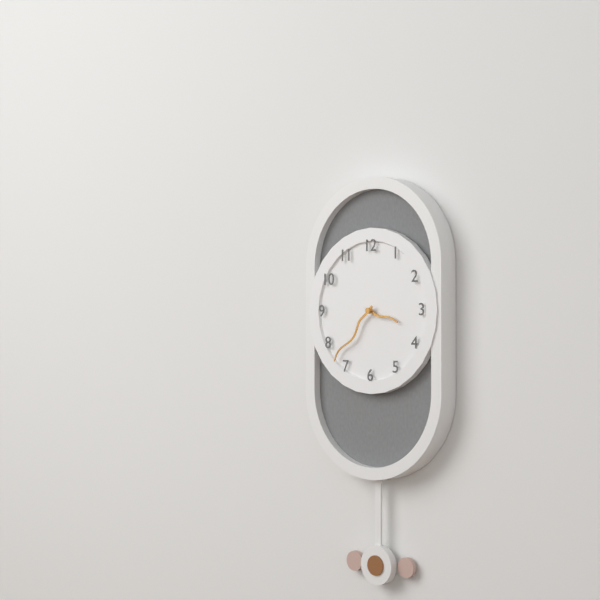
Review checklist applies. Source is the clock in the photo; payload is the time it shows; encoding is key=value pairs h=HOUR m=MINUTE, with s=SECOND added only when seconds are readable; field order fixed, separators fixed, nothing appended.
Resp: h=3 m=37
